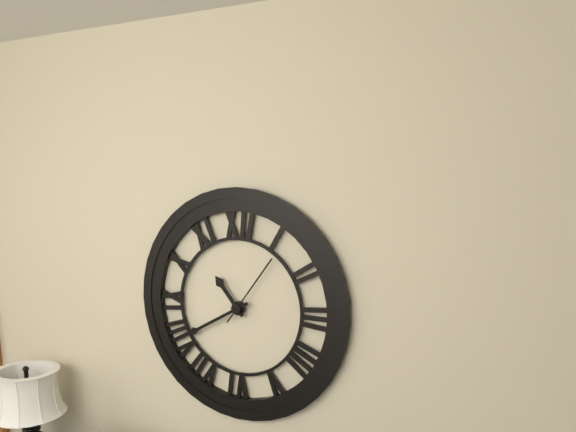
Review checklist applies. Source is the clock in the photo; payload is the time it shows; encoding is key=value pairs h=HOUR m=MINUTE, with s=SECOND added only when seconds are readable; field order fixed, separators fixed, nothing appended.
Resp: h=10 m=40 s=6
